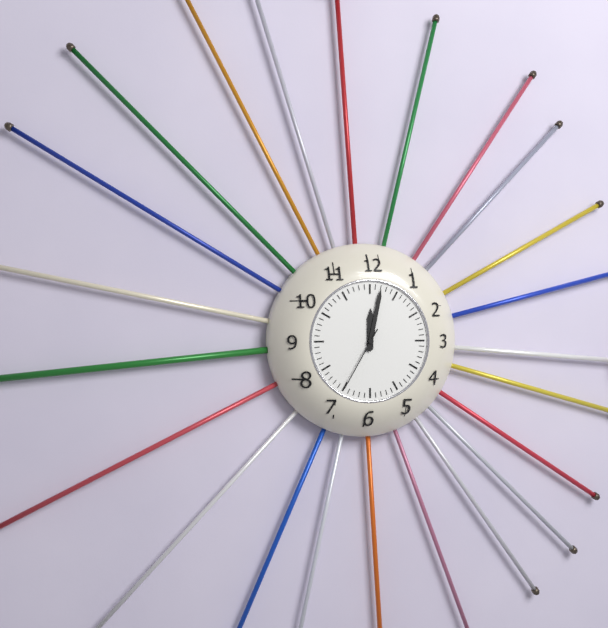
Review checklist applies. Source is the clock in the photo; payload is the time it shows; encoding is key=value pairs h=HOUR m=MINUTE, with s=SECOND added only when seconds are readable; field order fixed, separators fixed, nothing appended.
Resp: h=12 m=2 s=35
